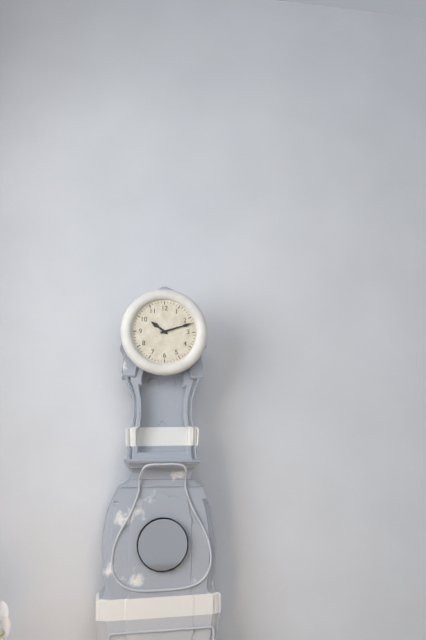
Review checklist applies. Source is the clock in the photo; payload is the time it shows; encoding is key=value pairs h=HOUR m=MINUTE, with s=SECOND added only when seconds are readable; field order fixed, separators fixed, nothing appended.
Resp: h=10 m=12
